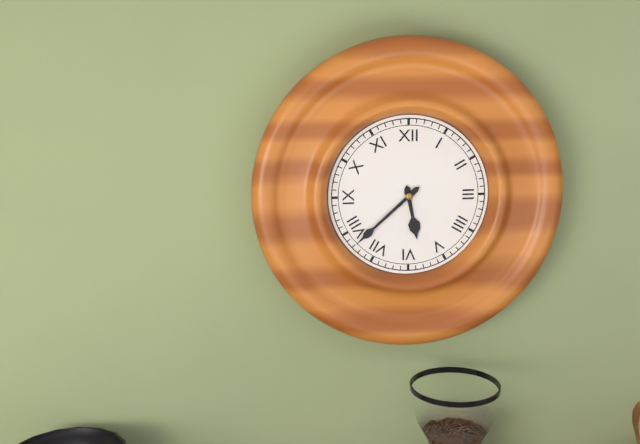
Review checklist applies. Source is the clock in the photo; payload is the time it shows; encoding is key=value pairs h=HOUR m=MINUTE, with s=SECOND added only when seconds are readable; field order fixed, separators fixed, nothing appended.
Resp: h=5 m=38
